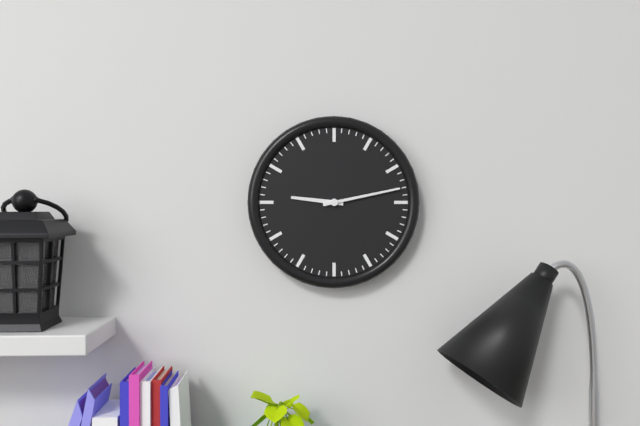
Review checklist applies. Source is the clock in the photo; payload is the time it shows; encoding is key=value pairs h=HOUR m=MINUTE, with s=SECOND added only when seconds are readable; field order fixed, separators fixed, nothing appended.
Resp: h=9 m=13
